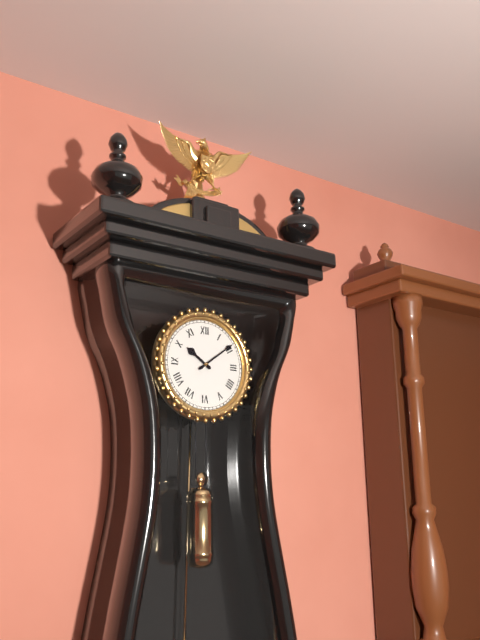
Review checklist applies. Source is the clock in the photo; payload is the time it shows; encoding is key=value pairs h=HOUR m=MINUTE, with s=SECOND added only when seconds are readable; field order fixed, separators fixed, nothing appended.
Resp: h=10 m=9
